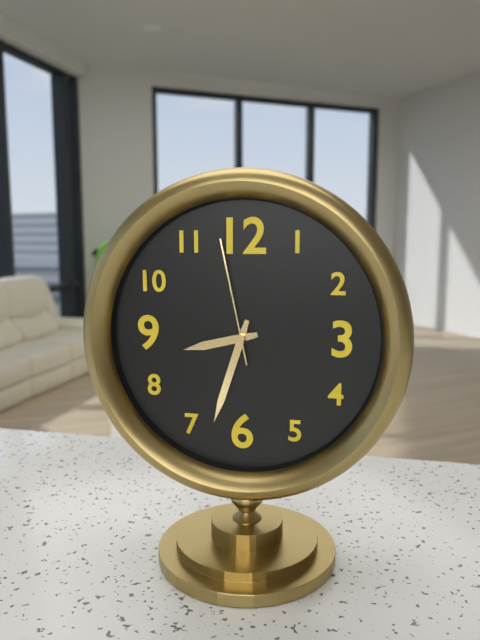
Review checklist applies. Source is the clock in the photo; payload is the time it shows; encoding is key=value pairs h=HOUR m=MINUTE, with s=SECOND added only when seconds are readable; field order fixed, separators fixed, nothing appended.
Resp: h=8 m=33 s=58
